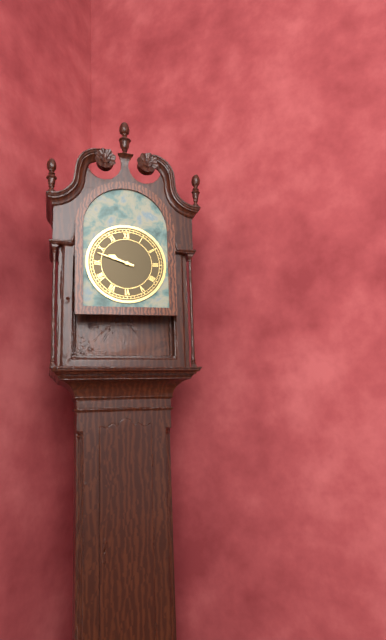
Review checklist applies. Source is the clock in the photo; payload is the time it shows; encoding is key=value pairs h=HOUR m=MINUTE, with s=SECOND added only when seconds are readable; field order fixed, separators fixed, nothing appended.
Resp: h=9 m=48
